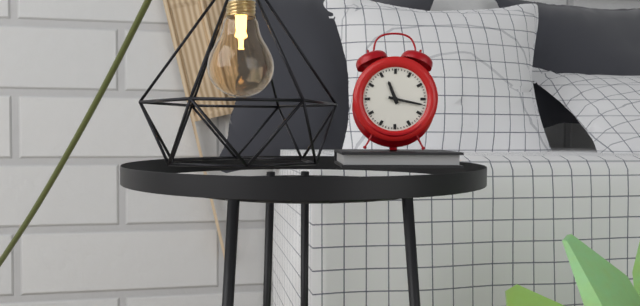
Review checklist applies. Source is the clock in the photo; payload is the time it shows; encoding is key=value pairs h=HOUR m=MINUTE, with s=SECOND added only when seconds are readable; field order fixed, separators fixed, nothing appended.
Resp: h=11 m=17
